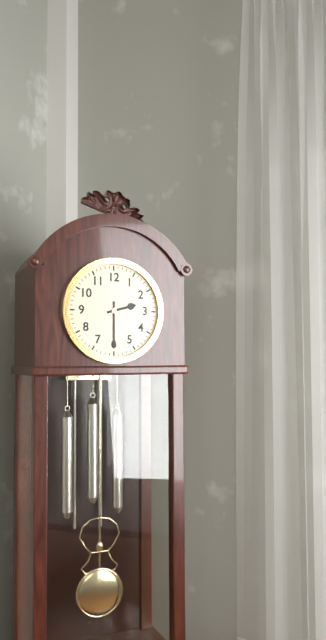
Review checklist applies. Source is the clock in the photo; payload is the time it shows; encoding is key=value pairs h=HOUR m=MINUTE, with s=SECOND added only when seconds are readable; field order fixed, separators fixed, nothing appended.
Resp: h=2 m=30
